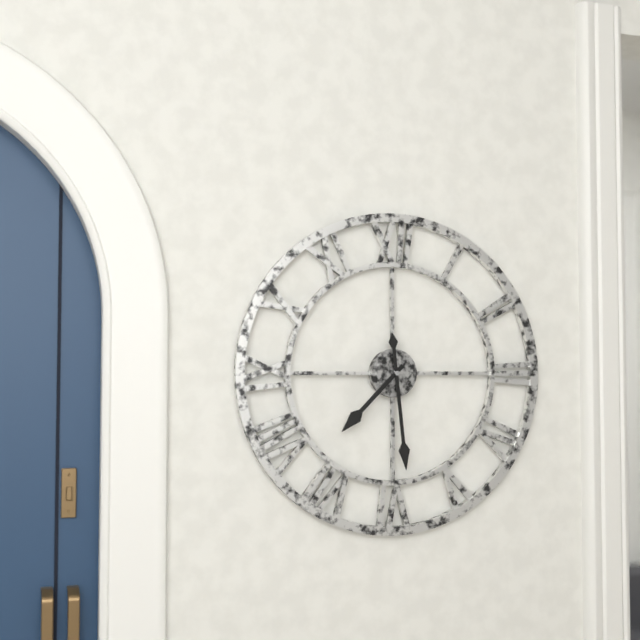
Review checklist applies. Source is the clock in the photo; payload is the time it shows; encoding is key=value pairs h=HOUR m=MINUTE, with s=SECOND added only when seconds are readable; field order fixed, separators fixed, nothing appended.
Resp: h=7 m=29
